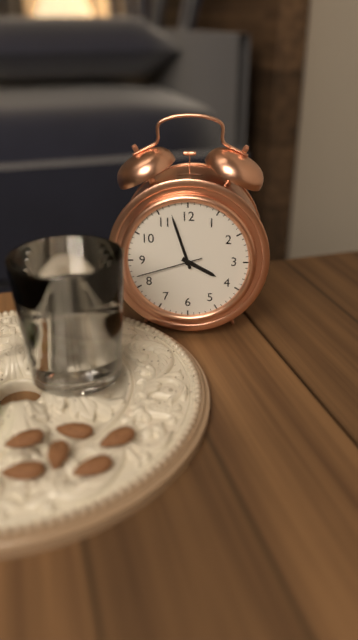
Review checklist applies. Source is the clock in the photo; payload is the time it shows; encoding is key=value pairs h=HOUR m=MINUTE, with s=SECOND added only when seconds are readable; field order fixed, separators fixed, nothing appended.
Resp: h=3 m=57 s=42
